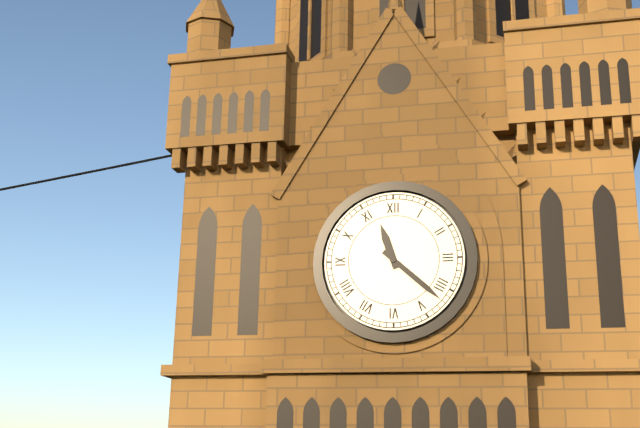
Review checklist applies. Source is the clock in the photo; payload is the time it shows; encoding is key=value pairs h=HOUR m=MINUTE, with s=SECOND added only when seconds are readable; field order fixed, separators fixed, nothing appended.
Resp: h=11 m=22
